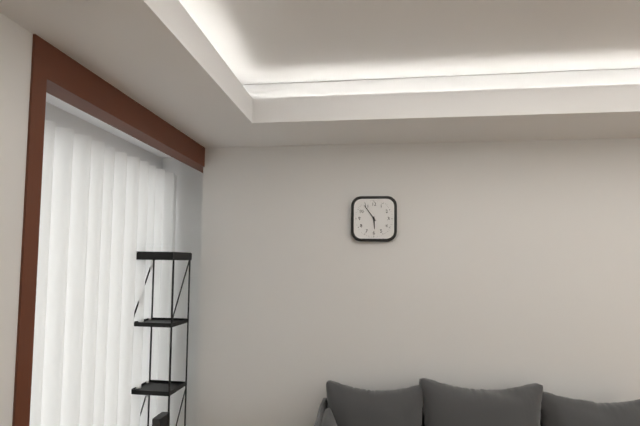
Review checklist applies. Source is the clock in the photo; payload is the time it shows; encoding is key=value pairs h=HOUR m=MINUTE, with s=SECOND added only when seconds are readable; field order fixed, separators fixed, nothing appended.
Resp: h=5 m=54
